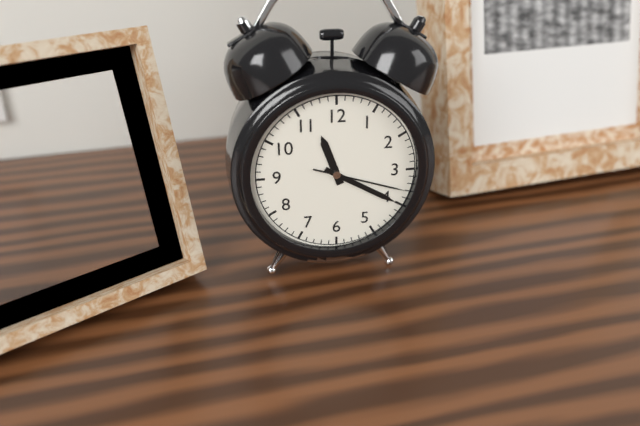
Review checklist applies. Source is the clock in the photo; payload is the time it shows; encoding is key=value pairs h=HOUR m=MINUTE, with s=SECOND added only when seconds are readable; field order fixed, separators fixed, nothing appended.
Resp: h=11 m=20 s=18
